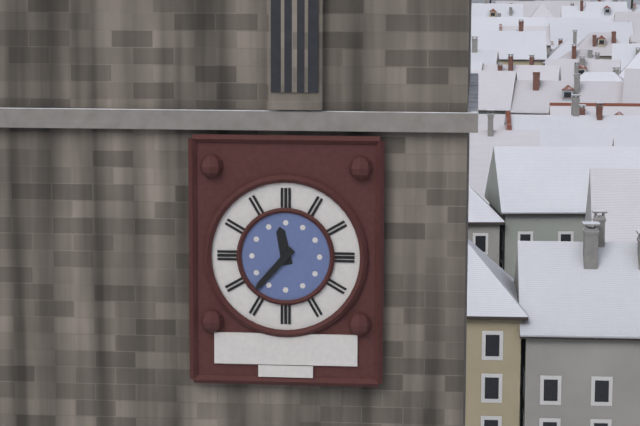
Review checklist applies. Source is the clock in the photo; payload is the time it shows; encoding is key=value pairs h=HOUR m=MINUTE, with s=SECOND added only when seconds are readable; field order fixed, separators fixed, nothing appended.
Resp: h=11 m=37
